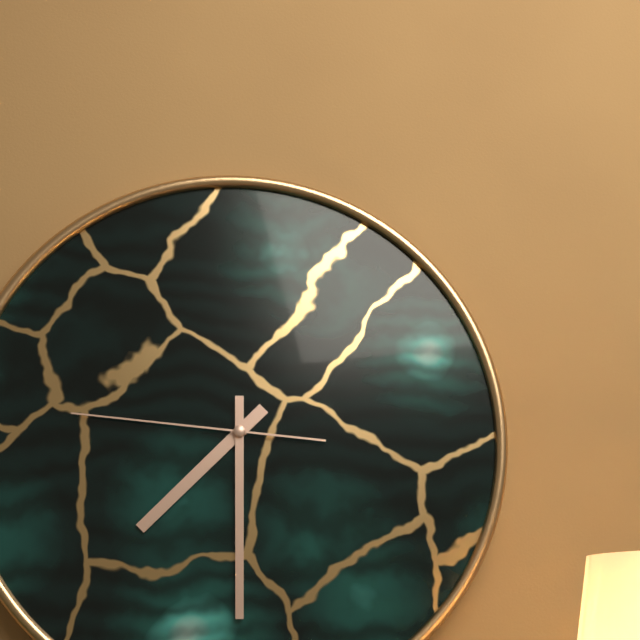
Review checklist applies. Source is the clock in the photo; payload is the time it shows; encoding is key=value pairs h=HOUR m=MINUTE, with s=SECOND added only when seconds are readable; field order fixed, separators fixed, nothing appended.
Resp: h=7 m=30 s=46
